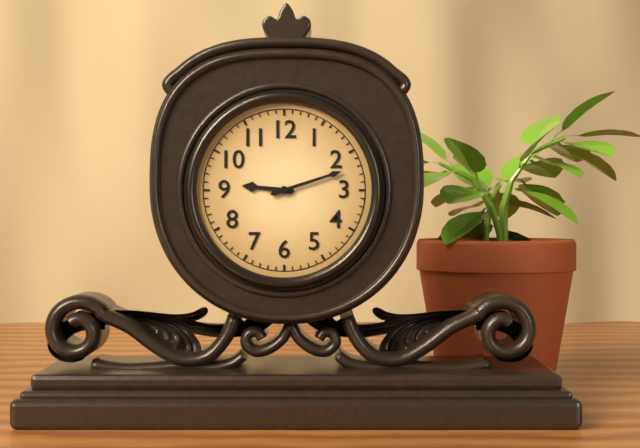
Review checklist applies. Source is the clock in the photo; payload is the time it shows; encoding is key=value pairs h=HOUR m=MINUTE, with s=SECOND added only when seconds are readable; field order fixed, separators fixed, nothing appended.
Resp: h=9 m=12
